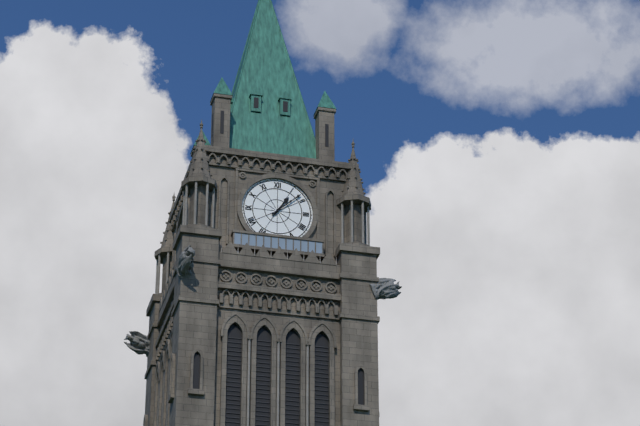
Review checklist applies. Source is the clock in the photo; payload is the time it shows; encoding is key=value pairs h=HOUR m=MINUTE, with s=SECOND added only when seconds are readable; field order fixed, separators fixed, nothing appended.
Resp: h=1 m=8
